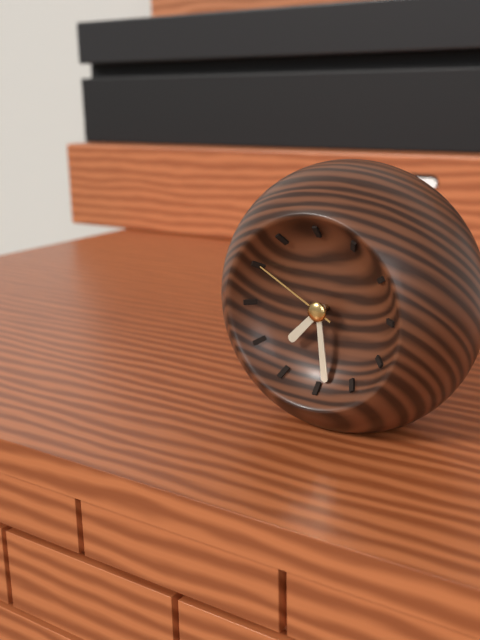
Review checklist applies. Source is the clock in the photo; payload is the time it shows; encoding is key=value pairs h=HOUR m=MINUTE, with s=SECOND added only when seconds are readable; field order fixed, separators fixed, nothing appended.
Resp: h=7 m=29 s=50
